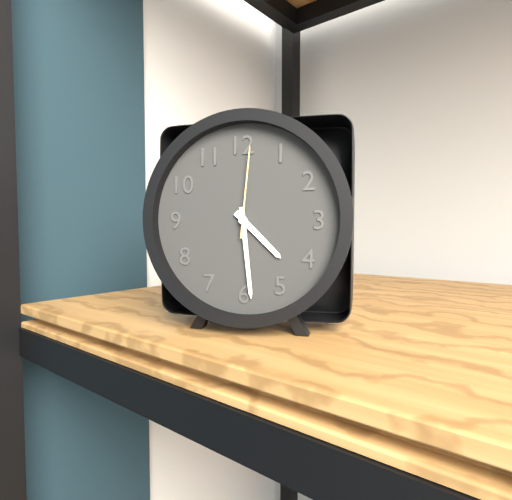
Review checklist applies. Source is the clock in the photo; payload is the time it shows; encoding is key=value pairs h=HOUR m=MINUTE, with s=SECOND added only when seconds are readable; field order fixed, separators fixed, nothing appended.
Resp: h=4 m=29 s=1
